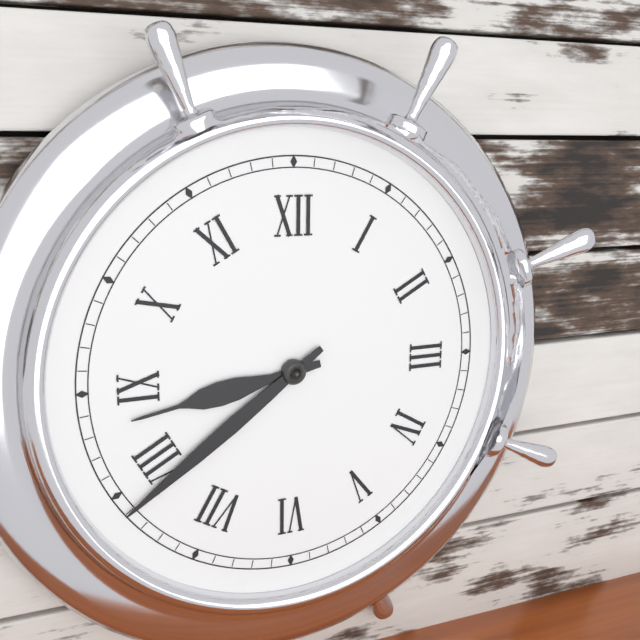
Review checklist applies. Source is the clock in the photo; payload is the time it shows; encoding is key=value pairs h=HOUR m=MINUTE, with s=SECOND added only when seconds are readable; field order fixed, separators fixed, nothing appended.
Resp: h=8 m=39
